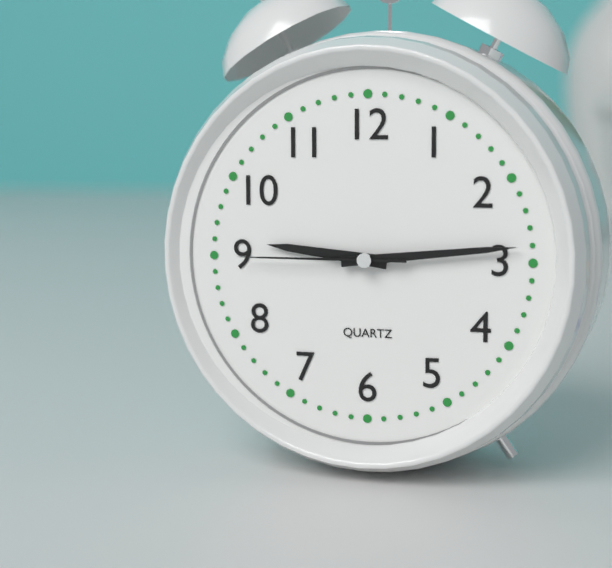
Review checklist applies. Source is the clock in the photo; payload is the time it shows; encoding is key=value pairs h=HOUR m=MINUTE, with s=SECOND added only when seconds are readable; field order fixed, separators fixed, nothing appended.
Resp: h=9 m=14 s=45
